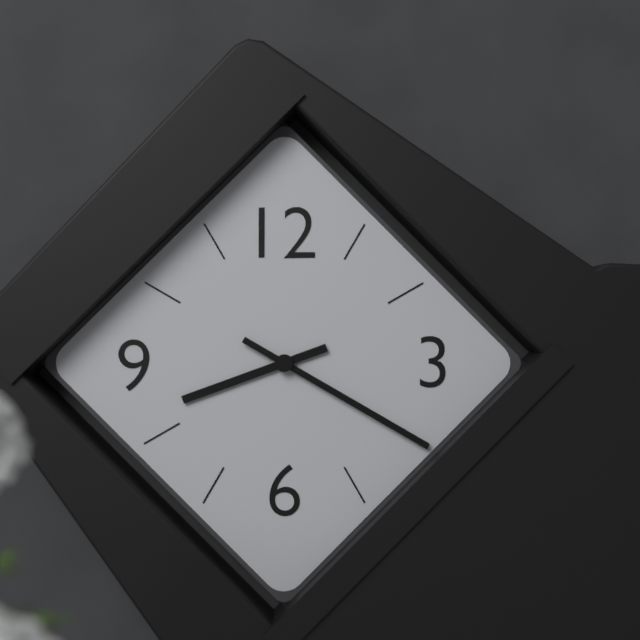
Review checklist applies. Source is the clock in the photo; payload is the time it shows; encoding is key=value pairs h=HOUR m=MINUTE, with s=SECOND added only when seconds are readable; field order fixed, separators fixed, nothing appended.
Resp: h=8 m=20
